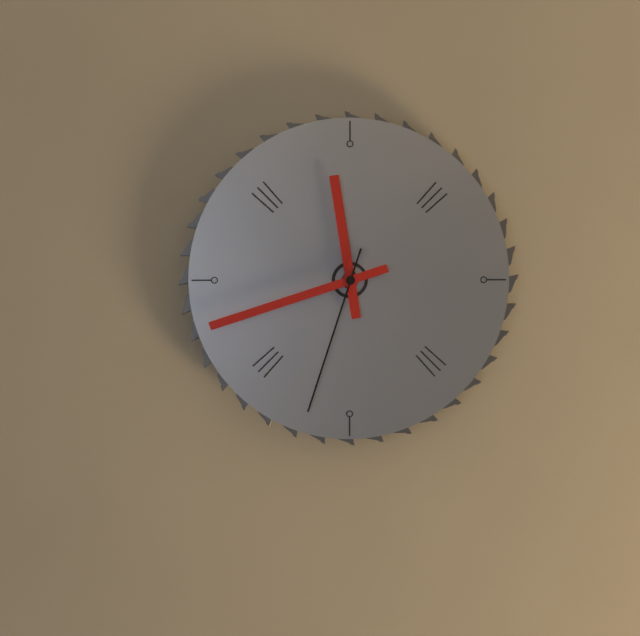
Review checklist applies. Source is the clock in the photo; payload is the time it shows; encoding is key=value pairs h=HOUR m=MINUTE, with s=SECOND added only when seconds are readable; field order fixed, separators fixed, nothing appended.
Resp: h=11 m=42 s=33
